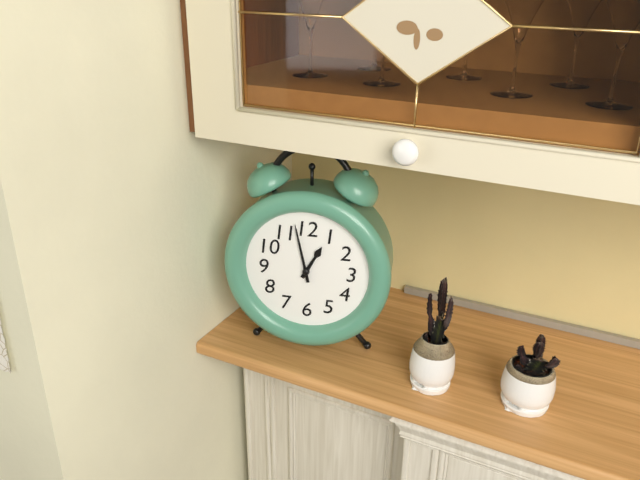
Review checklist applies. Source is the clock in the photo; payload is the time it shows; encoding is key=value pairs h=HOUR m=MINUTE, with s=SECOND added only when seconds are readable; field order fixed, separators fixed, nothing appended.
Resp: h=12 m=58
